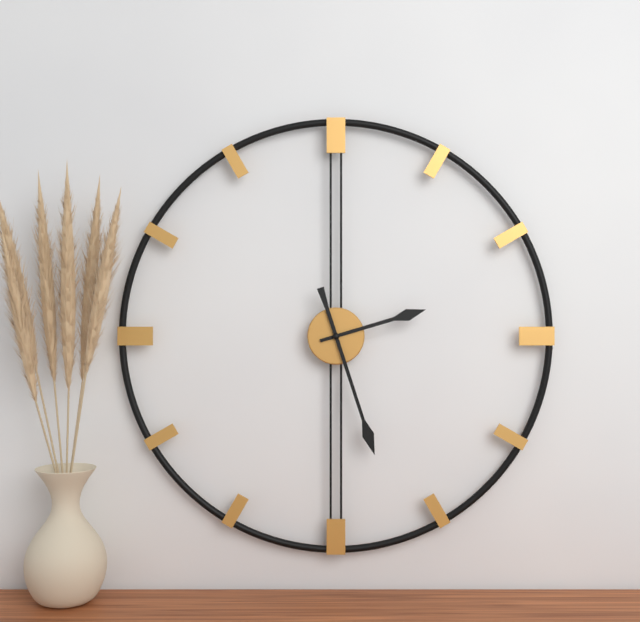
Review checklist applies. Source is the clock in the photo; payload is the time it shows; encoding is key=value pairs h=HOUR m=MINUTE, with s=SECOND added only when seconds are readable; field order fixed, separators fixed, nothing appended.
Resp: h=2 m=27
